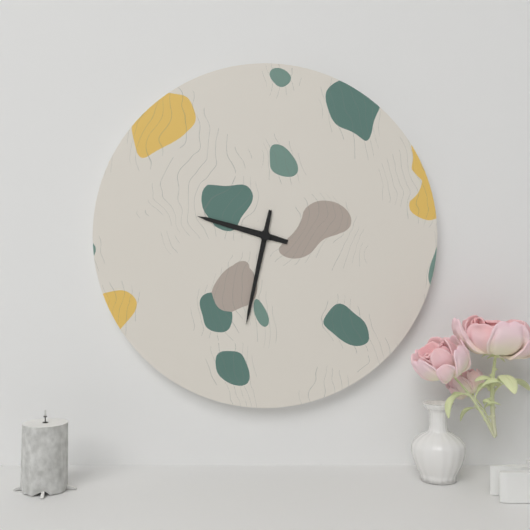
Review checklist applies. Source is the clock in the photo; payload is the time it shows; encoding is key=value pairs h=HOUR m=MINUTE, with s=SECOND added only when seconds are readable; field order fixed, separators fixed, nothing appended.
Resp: h=9 m=32
